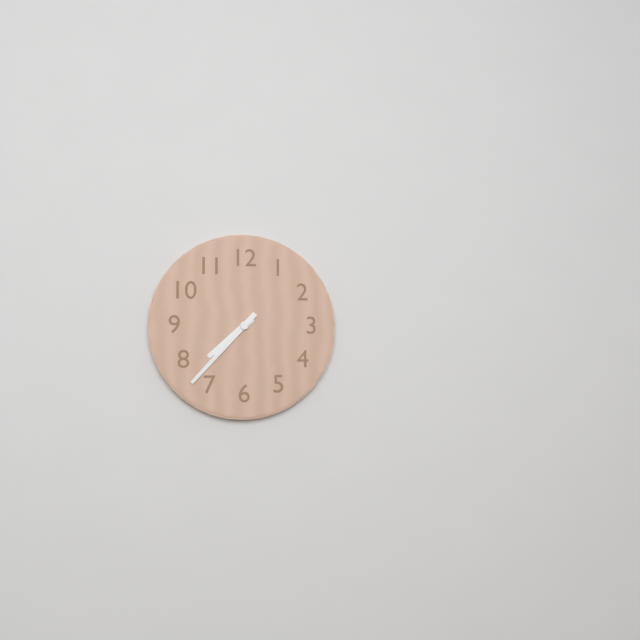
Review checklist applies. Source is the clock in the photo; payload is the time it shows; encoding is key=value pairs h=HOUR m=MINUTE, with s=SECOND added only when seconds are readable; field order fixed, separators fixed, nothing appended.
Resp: h=7 m=37
